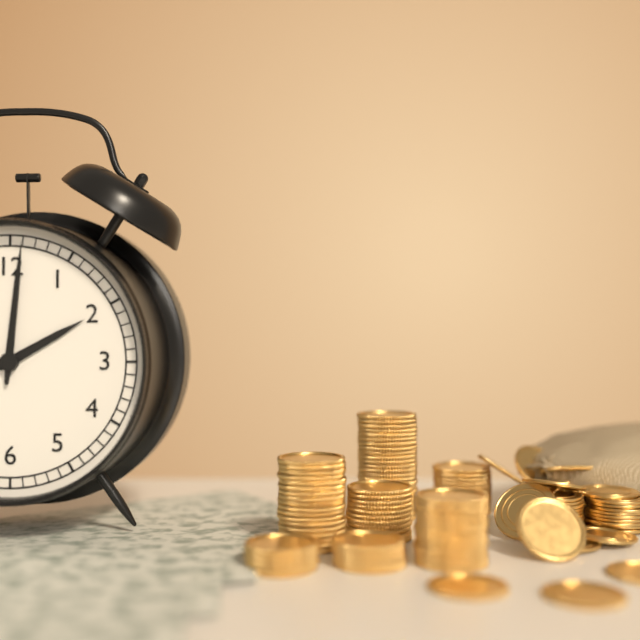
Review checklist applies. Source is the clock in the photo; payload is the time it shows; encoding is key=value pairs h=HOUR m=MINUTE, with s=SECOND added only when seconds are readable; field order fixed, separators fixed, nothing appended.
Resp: h=2 m=1
